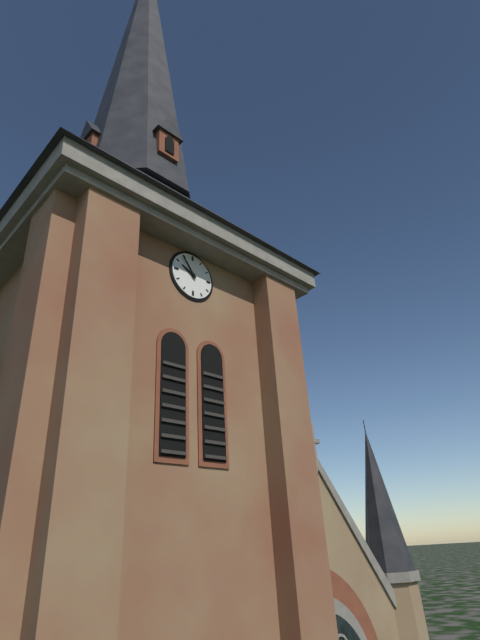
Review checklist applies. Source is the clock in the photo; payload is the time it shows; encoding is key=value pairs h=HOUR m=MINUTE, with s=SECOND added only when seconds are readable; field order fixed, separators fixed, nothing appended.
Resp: h=9 m=54
